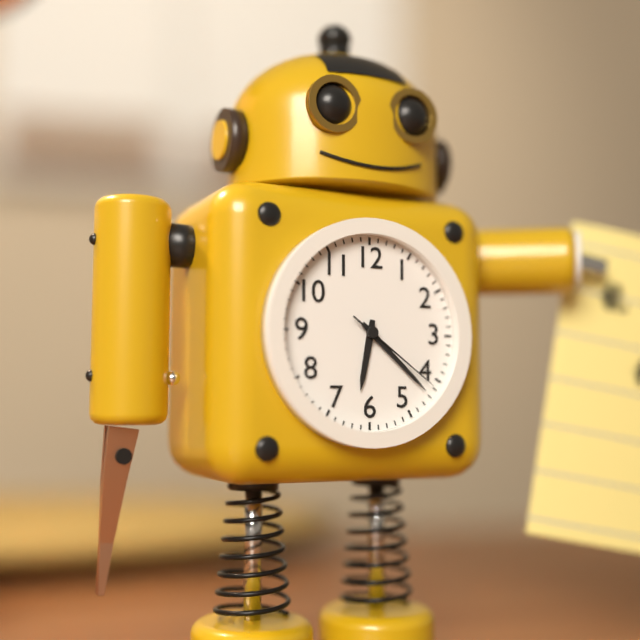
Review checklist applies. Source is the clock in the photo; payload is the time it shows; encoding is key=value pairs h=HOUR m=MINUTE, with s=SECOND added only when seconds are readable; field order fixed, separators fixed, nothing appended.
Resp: h=6 m=22 s=21
